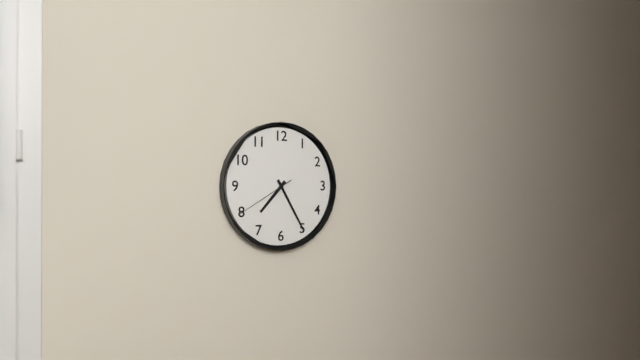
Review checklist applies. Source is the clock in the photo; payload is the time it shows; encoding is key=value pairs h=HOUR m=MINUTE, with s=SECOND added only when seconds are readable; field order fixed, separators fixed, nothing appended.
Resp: h=7 m=25 s=40
